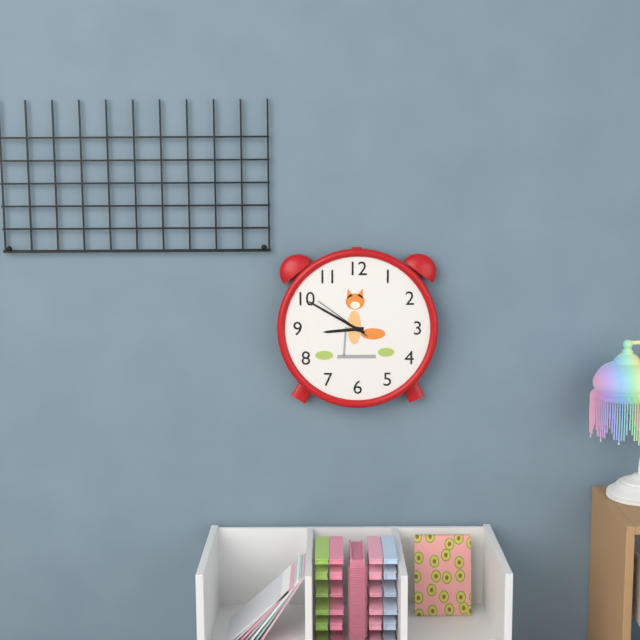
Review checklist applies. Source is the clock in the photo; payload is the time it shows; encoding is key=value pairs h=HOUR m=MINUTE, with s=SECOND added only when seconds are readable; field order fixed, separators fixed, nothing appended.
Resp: h=8 m=50 s=51
